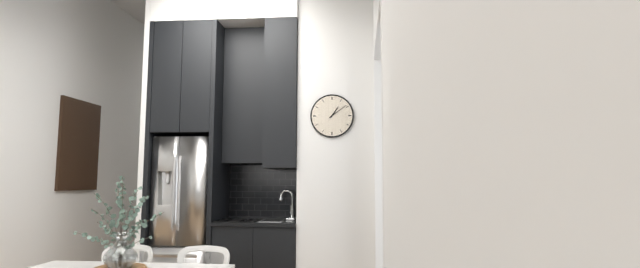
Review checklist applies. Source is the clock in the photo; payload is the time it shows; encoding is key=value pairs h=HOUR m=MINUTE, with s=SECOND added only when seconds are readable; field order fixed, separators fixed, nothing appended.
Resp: h=1 m=9
